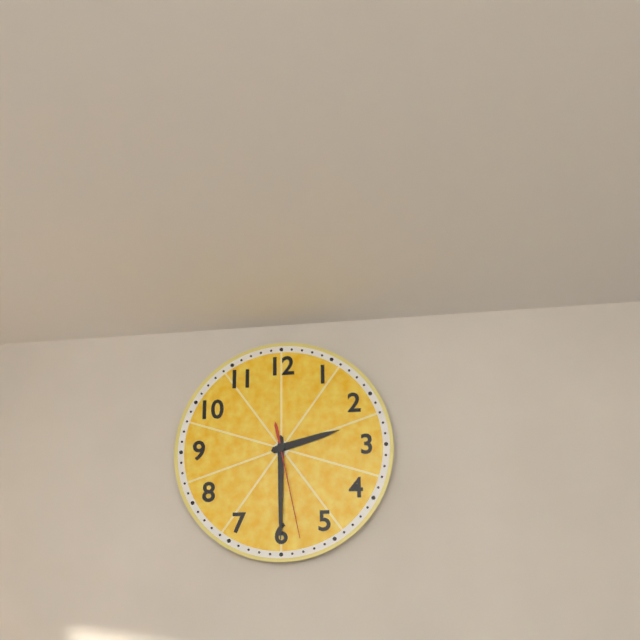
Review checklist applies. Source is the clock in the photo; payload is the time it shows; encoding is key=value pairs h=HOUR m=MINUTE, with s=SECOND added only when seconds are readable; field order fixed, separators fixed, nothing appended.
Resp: h=2 m=30 s=28
